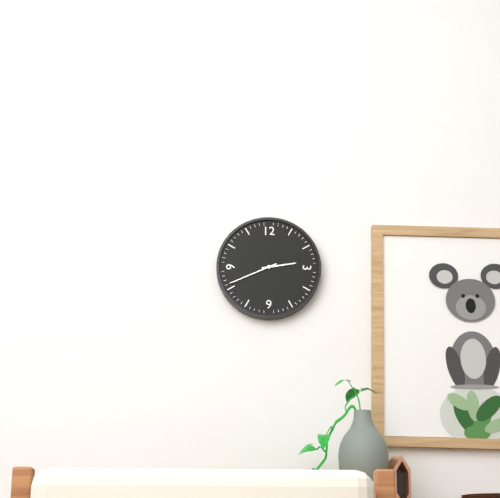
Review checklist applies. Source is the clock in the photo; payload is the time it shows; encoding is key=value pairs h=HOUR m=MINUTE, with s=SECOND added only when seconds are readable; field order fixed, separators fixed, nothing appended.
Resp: h=2 m=41
